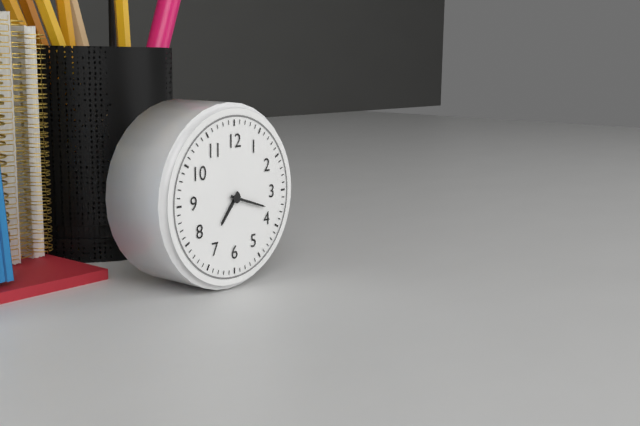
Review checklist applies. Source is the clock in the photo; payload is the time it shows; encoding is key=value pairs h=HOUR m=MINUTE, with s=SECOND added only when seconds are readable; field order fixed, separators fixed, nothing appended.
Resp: h=7 m=18
